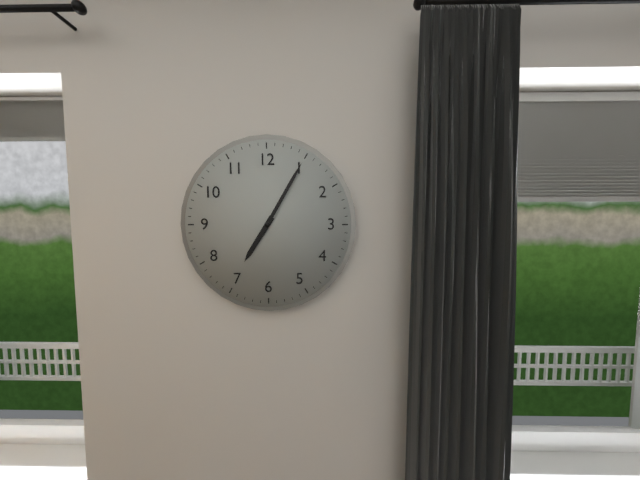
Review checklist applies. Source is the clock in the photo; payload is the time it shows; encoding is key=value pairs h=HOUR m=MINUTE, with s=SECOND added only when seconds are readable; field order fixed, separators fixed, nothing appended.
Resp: h=7 m=5
